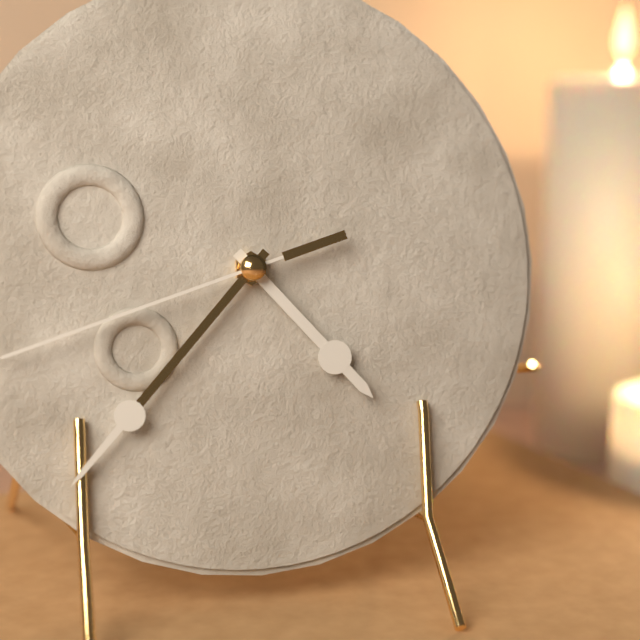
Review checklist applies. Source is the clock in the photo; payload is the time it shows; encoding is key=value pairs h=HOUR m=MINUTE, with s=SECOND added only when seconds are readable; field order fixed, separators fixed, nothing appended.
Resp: h=4 m=37
